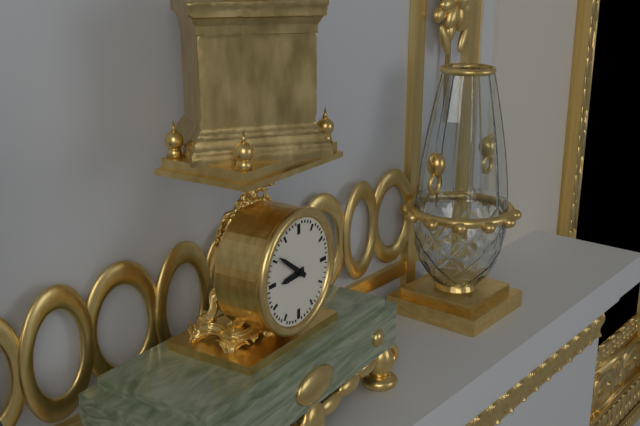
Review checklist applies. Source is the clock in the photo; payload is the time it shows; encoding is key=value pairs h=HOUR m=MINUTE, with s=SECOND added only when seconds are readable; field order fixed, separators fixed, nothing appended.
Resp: h=8 m=51
